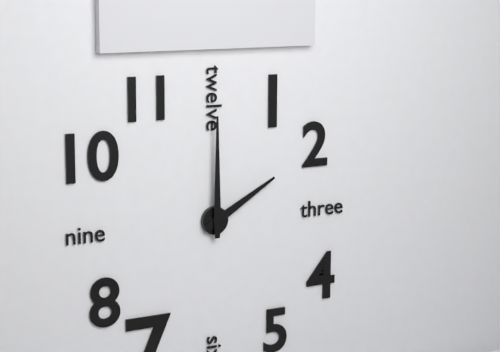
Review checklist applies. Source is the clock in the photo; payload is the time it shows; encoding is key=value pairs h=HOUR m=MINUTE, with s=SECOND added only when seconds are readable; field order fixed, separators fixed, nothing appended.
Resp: h=2 m=0
